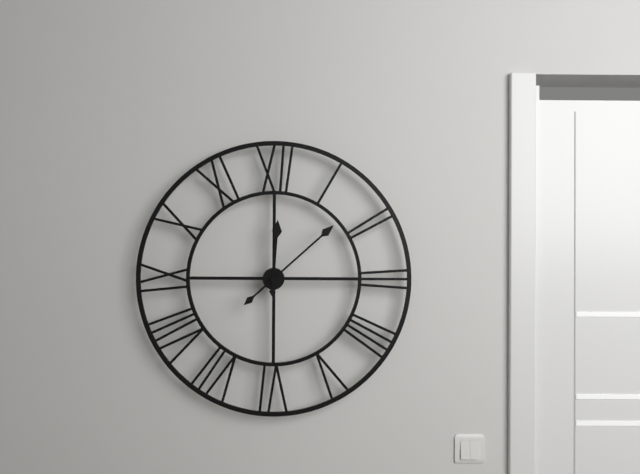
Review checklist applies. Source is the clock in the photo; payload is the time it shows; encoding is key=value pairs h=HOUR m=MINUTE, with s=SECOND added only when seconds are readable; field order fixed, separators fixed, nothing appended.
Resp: h=12 m=8
